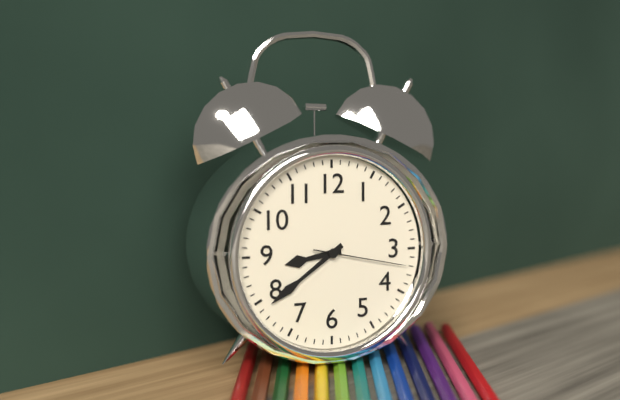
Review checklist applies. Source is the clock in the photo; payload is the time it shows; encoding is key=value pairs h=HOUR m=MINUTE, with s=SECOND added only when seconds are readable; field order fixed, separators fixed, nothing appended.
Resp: h=8 m=39 s=17
